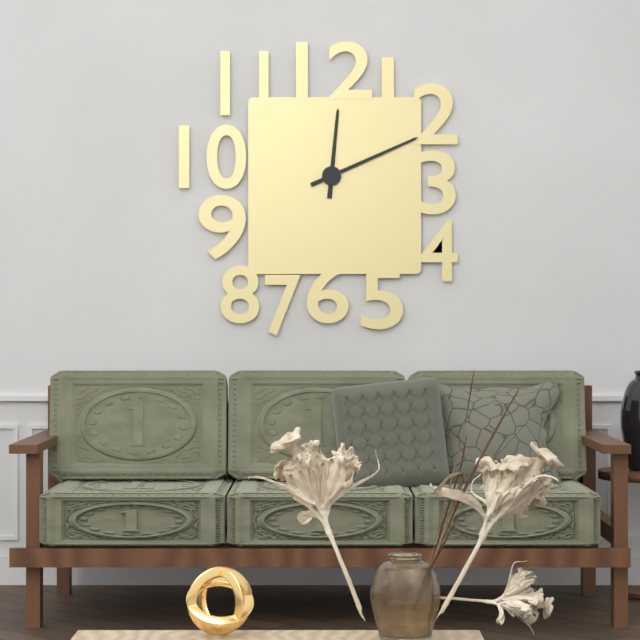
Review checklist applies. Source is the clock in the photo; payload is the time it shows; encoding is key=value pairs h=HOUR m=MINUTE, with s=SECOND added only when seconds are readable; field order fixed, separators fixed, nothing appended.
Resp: h=12 m=11
